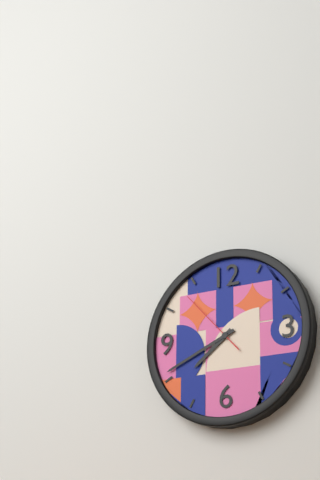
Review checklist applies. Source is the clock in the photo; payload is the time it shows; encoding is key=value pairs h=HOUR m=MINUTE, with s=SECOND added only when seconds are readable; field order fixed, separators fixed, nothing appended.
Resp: h=7 m=41 s=53
